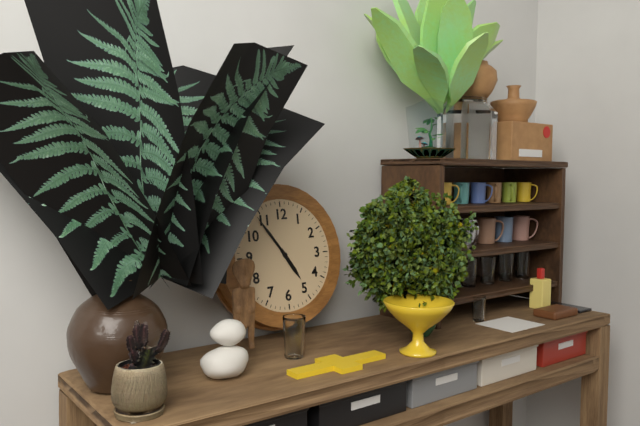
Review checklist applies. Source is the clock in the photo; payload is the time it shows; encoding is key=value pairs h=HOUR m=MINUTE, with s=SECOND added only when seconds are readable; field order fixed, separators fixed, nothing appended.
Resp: h=4 m=54
